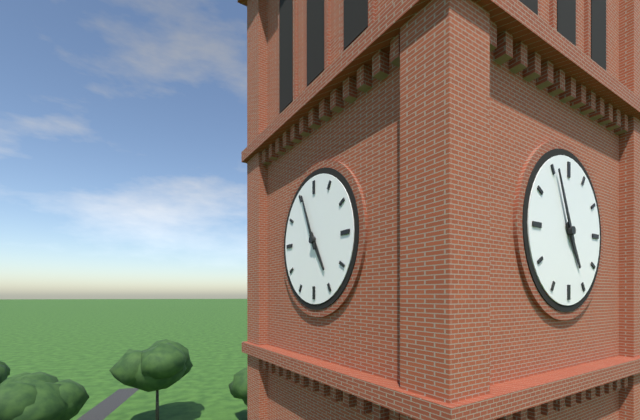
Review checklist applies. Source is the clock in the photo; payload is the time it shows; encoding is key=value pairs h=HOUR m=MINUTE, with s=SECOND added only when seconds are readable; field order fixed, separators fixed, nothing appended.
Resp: h=4 m=56
